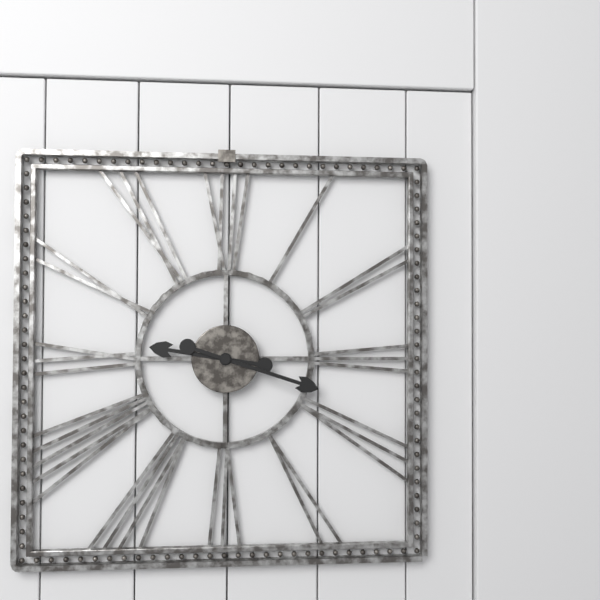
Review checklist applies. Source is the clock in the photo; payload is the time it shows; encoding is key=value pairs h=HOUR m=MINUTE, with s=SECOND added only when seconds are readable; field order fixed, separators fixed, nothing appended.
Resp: h=9 m=18
